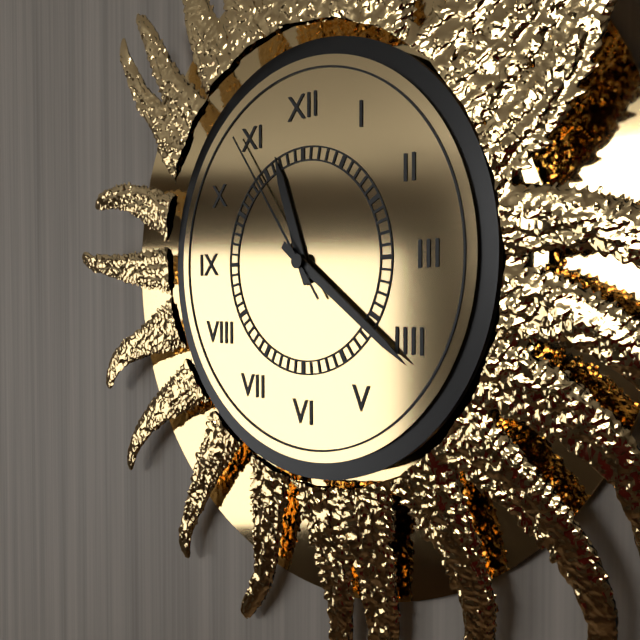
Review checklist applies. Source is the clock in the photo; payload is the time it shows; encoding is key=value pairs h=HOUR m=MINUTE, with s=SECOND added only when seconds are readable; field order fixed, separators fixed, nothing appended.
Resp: h=11 m=21 s=54
